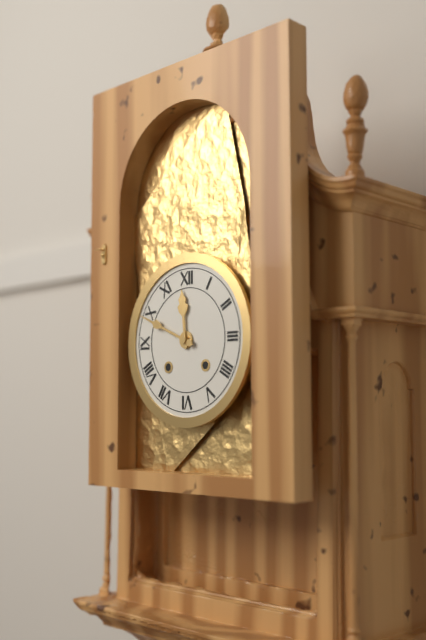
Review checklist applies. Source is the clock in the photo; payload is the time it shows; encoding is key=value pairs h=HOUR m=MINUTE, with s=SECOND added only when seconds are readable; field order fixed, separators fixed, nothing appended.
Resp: h=11 m=49
